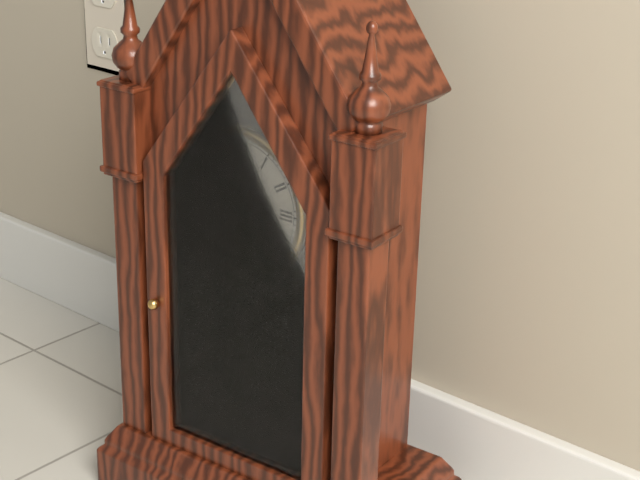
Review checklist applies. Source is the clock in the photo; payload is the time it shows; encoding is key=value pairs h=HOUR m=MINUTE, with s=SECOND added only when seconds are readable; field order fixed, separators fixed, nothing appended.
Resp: h=6 m=58
